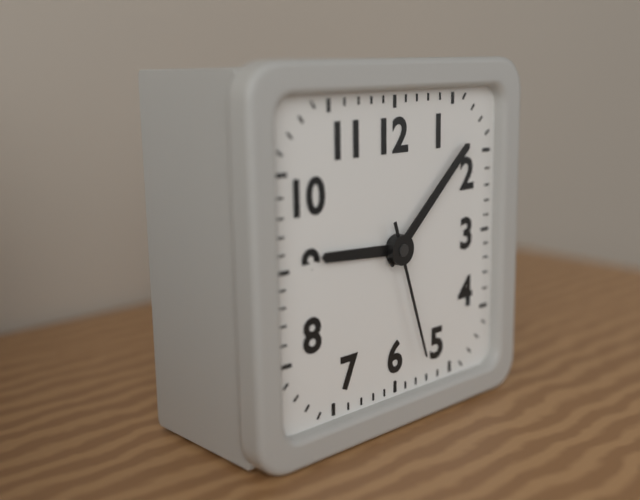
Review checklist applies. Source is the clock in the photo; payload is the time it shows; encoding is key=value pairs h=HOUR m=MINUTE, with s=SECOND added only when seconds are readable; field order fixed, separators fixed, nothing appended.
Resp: h=9 m=8 s=27
